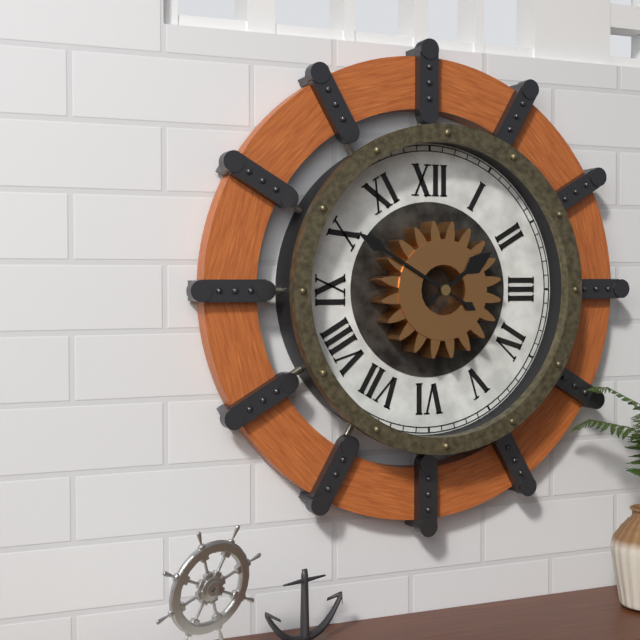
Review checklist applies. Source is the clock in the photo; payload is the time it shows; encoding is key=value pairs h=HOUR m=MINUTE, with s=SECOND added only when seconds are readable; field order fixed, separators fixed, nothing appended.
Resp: h=1 m=50
